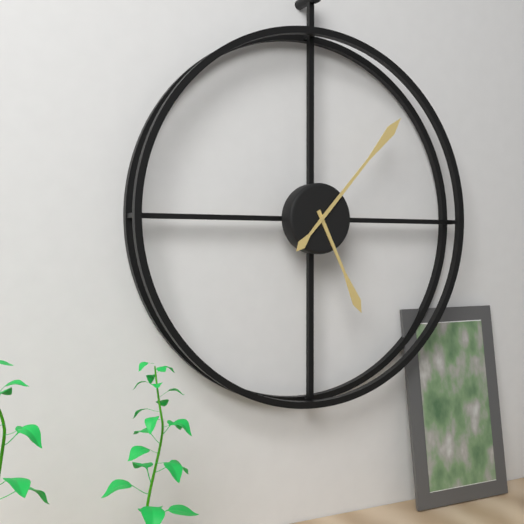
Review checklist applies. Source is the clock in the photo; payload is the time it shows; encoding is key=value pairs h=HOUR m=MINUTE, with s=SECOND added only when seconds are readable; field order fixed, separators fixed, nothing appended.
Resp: h=5 m=7
